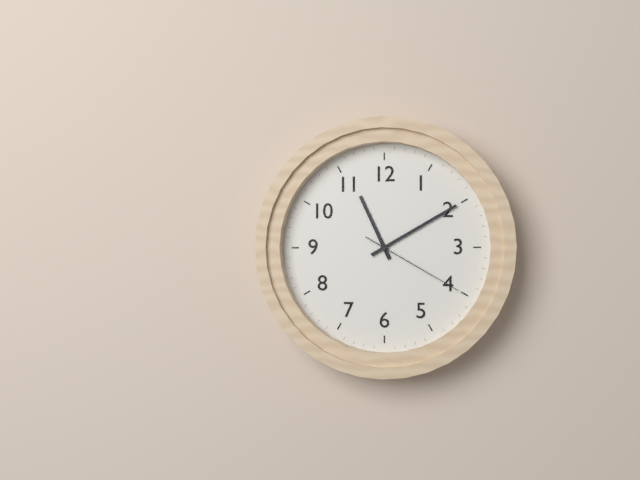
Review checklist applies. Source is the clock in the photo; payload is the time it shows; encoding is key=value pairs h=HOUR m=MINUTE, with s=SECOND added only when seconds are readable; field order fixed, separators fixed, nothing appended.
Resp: h=11 m=10 s=20
